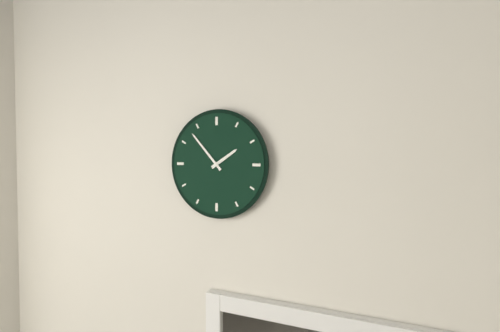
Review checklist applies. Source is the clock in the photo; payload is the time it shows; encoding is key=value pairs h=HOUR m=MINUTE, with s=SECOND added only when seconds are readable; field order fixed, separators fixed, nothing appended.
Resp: h=1 m=53
